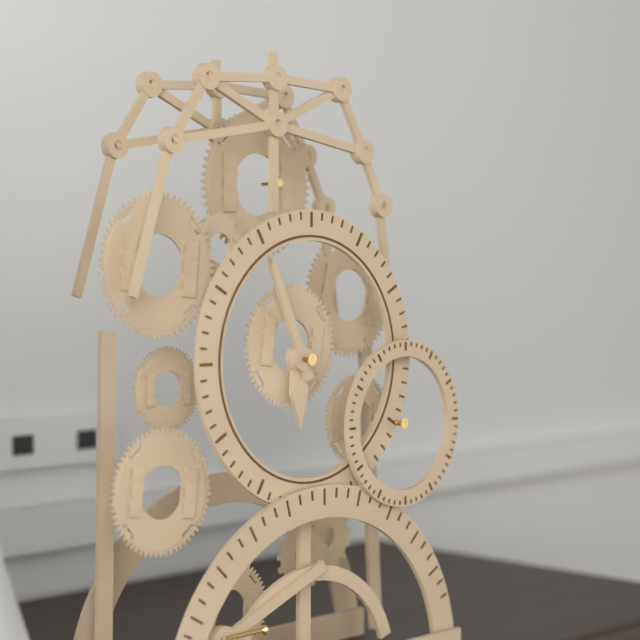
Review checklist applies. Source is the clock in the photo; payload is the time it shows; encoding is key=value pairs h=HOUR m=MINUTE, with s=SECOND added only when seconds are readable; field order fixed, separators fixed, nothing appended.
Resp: h=5 m=56
